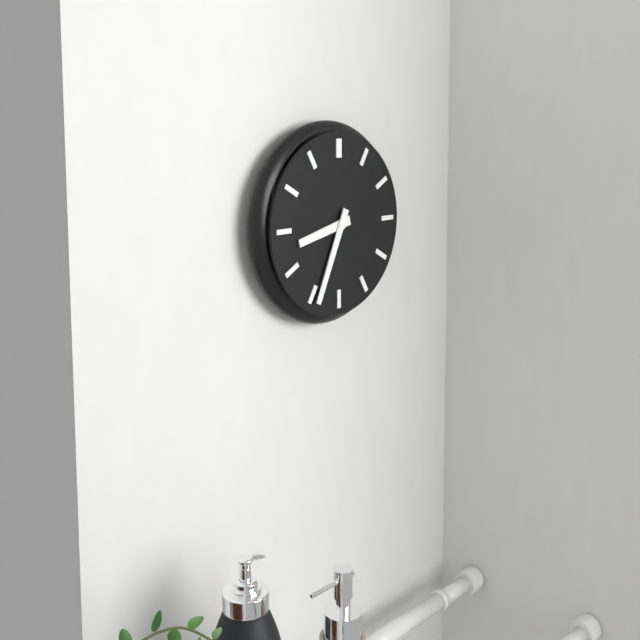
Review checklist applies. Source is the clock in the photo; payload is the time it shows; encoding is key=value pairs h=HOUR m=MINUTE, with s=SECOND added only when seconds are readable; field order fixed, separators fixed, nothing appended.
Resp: h=8 m=34
